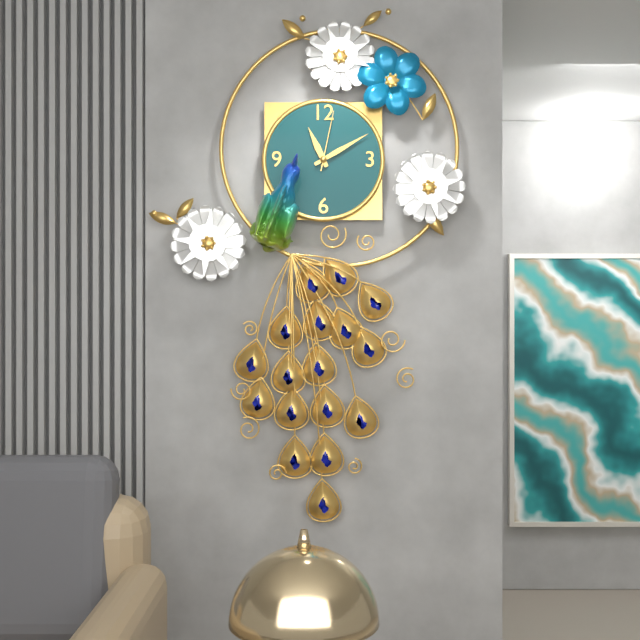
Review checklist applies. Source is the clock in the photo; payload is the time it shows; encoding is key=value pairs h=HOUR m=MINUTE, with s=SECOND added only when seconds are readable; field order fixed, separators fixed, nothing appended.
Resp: h=11 m=10 s=2
